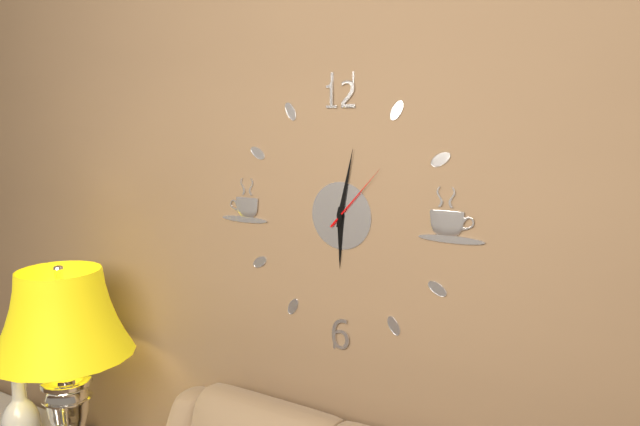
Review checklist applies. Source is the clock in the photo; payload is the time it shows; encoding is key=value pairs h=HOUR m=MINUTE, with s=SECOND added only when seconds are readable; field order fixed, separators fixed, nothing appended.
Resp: h=6 m=2 s=7
